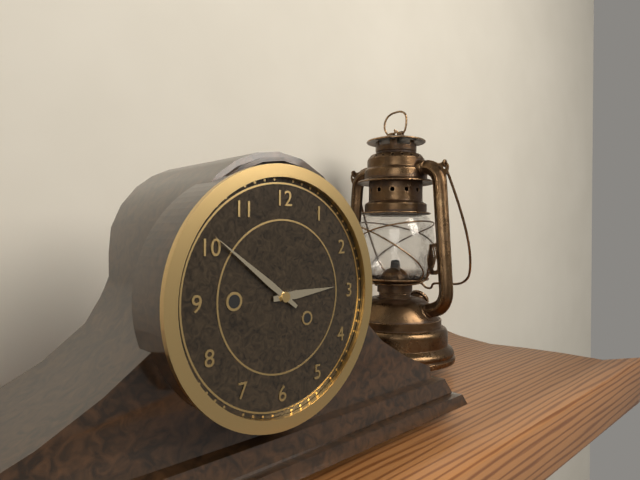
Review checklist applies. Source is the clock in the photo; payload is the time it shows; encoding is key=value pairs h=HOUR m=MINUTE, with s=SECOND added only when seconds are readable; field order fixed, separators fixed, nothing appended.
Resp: h=2 m=51
